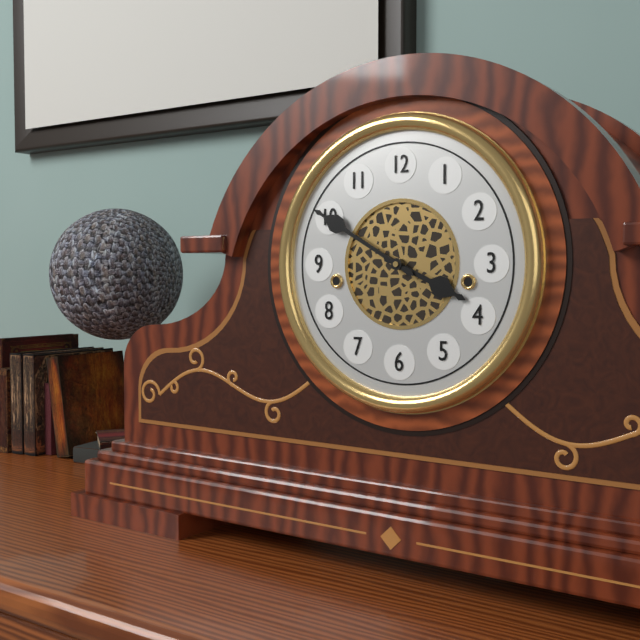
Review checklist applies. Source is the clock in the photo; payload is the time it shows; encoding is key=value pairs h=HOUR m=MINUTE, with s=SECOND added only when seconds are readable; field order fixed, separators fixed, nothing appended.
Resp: h=3 m=50
